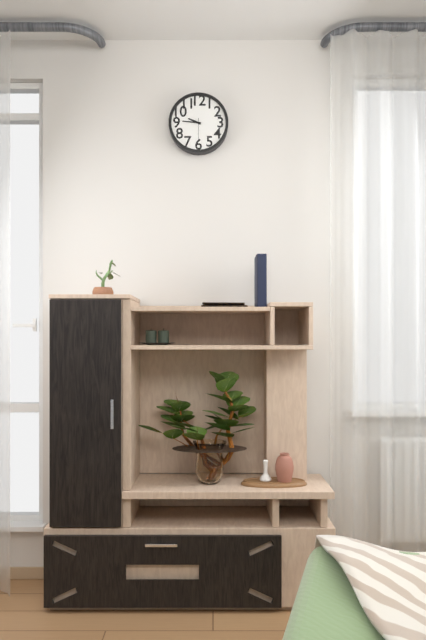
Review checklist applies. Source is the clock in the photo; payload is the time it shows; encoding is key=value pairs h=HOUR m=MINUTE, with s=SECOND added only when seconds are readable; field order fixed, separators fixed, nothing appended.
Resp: h=9 m=46
